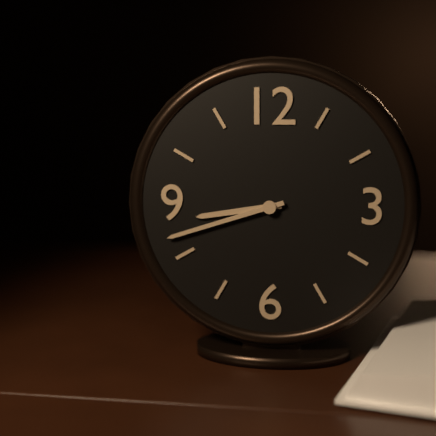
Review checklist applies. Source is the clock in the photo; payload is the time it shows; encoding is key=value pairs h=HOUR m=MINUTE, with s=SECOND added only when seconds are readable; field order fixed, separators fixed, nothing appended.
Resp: h=8 m=42
